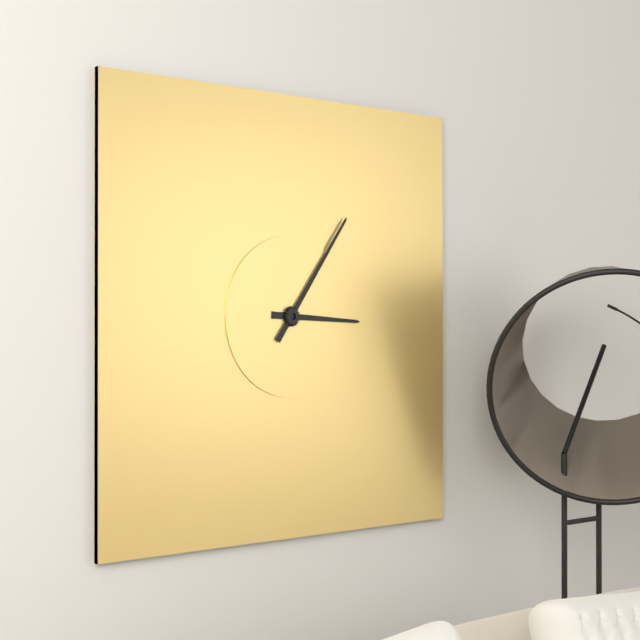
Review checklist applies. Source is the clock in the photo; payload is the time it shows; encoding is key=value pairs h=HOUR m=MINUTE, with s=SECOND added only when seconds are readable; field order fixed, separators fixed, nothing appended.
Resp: h=3 m=6
